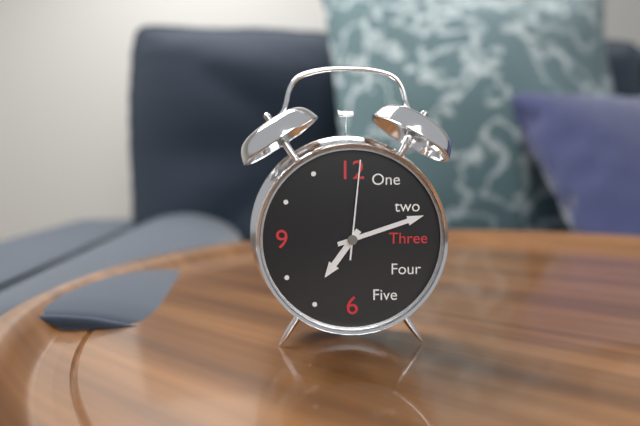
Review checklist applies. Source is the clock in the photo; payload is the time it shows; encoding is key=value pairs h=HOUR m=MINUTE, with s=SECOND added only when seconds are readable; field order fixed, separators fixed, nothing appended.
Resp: h=7 m=12 s=1
